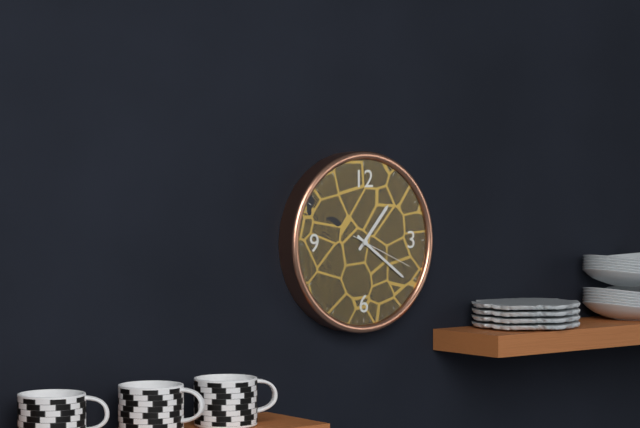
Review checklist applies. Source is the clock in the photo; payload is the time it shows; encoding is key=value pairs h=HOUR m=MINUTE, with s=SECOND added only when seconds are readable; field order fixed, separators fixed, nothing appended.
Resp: h=1 m=21 s=19
